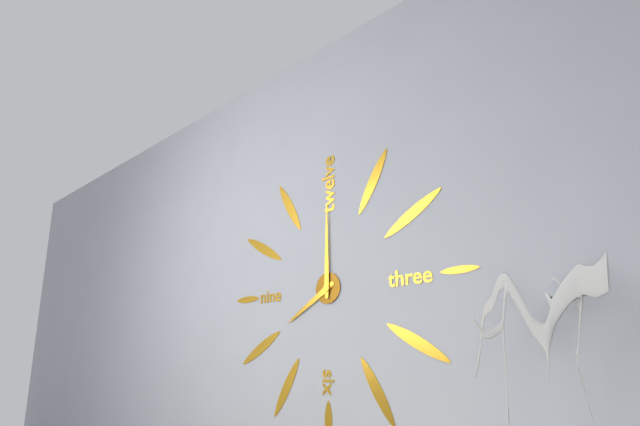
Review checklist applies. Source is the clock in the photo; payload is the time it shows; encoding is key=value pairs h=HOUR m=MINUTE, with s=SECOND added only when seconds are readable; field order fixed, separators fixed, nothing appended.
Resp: h=8 m=0
